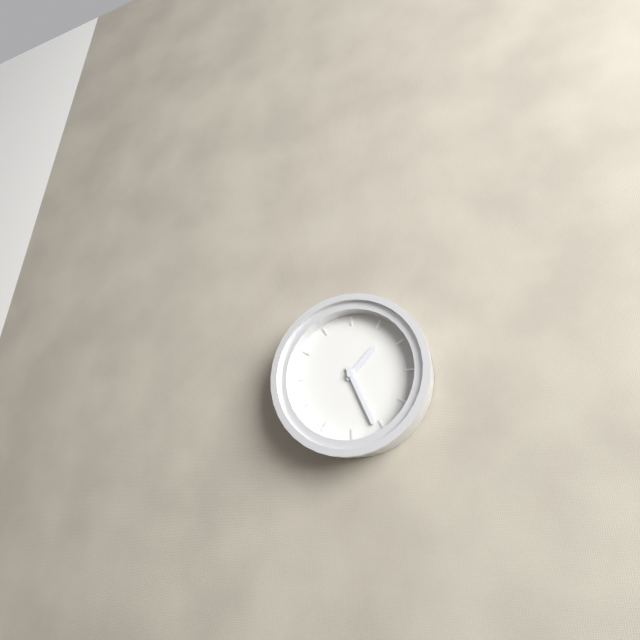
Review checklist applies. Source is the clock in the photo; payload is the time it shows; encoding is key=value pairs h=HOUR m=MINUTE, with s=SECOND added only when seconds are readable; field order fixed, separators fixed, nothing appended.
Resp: h=1 m=26
